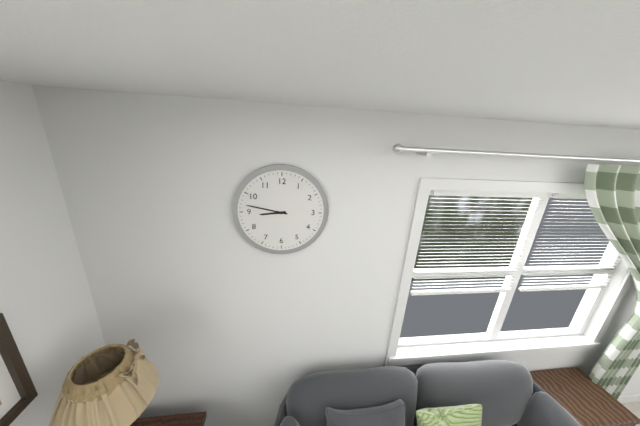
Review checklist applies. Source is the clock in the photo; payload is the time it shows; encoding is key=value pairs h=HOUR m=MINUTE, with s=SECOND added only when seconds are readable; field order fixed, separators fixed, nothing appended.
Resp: h=8 m=47
